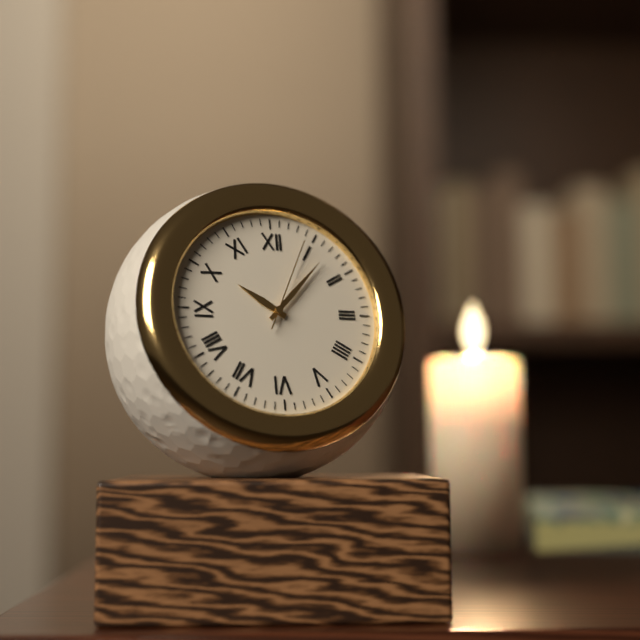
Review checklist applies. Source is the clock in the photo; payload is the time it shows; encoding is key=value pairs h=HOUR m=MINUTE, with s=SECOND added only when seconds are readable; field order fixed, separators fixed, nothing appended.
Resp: h=10 m=7 s=4
